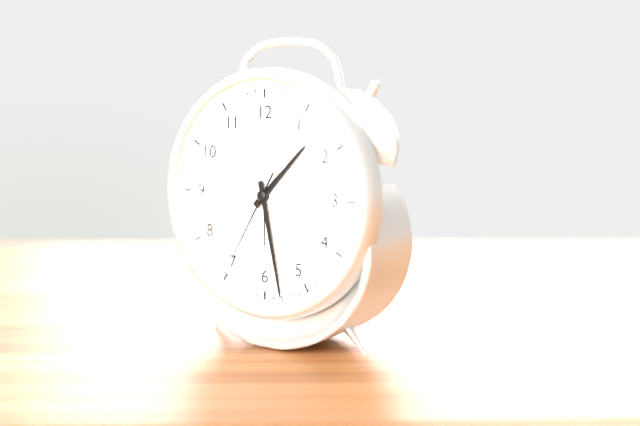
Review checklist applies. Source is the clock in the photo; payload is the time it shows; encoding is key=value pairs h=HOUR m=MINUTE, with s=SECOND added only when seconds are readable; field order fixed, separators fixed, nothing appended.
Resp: h=1 m=28 s=35
